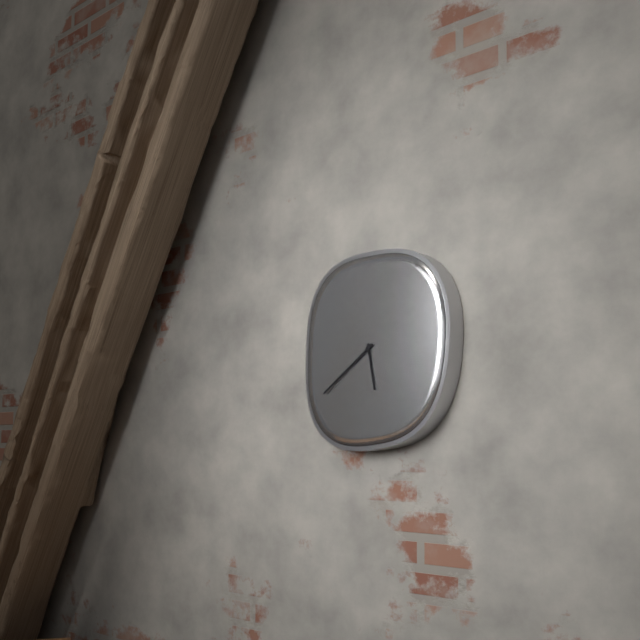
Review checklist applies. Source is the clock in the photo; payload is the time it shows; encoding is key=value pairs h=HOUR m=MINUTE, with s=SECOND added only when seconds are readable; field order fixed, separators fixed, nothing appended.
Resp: h=5 m=39
